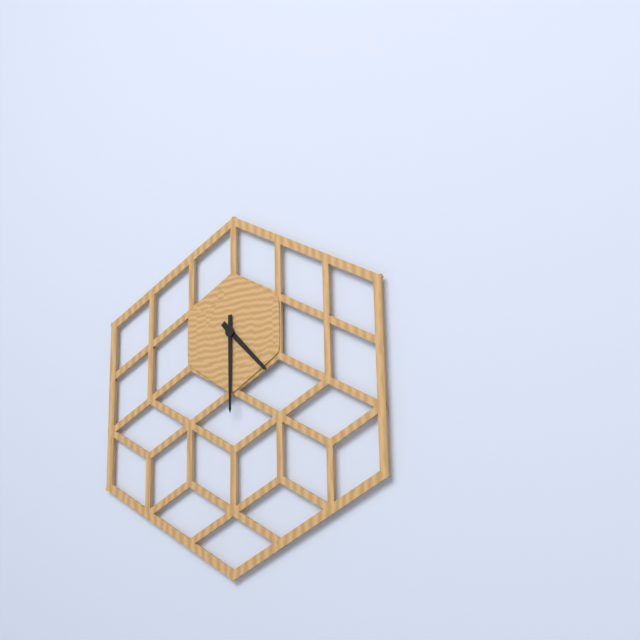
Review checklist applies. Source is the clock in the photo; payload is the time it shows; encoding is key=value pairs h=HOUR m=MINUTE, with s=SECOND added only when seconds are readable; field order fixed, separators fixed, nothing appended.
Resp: h=4 m=30
